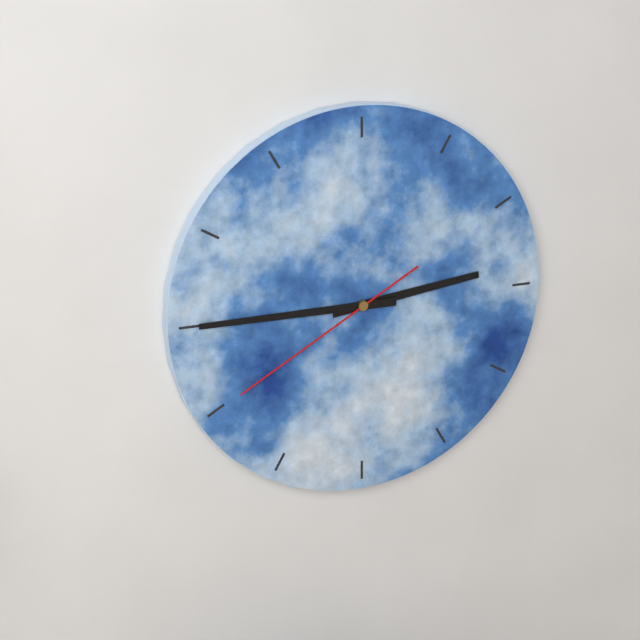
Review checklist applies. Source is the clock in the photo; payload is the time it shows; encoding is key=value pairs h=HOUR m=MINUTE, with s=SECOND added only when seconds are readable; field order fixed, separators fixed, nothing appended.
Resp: h=2 m=45 s=40
